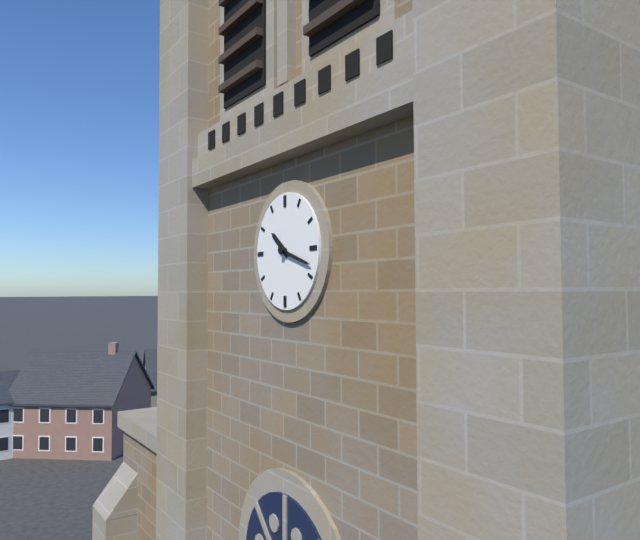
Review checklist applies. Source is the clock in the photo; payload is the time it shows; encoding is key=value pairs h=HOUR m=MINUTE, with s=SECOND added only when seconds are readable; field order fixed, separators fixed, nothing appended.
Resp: h=10 m=18
